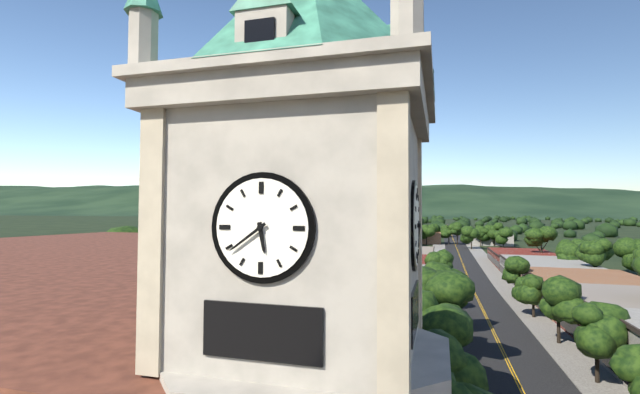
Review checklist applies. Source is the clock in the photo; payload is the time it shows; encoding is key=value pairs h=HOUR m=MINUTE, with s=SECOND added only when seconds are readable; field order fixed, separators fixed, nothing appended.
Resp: h=5 m=39
